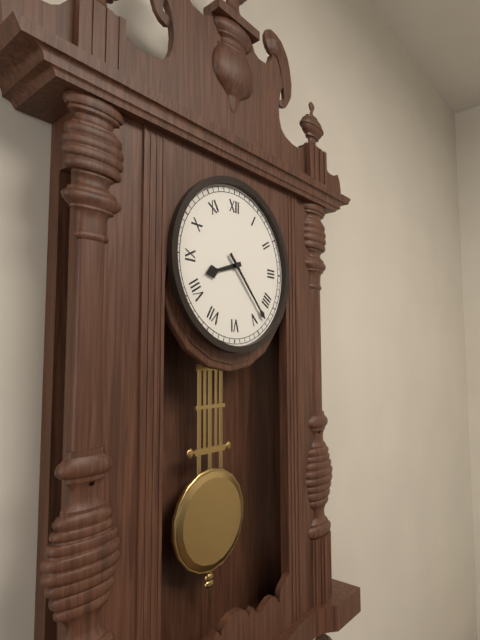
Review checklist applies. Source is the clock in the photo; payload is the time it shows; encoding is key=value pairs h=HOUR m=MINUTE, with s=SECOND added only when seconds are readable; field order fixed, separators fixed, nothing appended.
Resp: h=8 m=23
